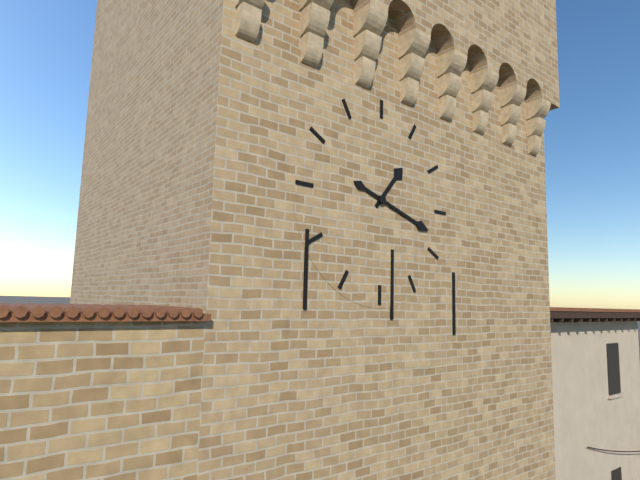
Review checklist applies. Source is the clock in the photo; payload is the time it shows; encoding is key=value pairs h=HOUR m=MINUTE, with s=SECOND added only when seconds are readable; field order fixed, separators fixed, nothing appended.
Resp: h=1 m=18
